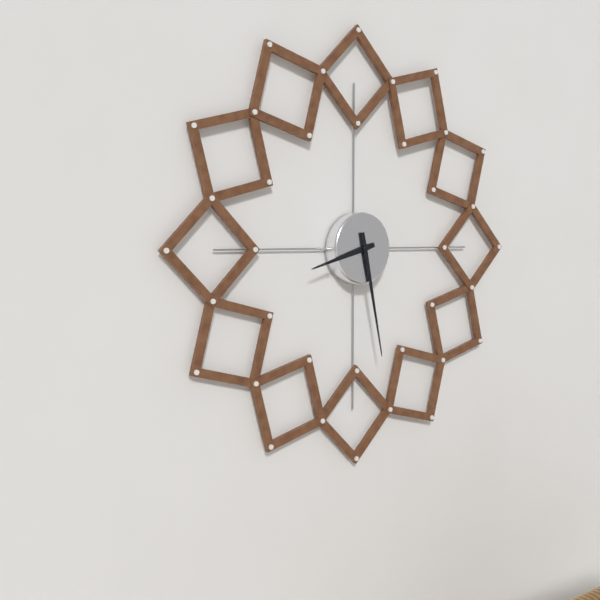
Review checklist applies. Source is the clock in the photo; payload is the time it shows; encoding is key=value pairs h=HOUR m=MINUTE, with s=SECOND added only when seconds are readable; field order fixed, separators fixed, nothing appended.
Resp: h=8 m=28
